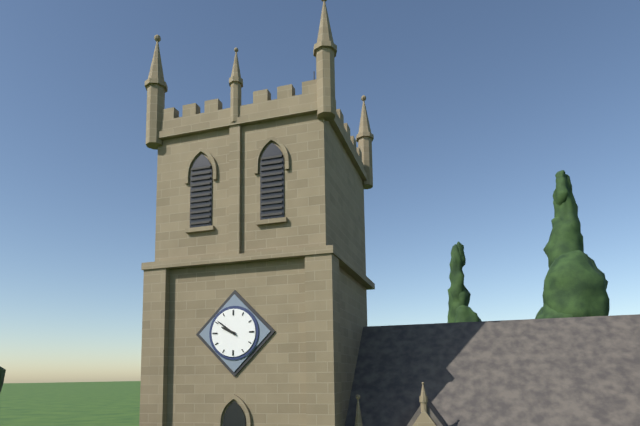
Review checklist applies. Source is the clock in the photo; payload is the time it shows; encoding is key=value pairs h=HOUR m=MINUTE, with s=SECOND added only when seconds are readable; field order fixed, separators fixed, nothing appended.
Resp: h=9 m=51
